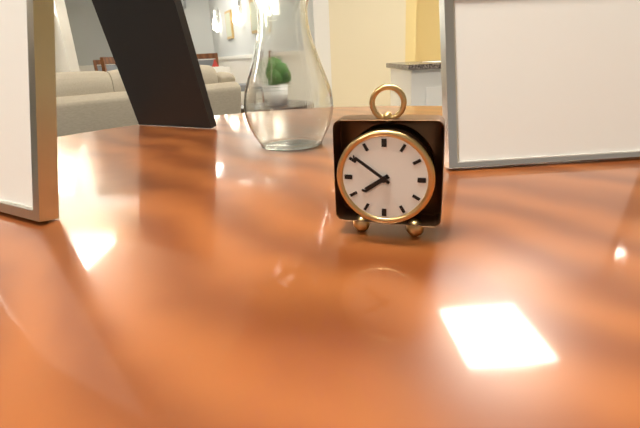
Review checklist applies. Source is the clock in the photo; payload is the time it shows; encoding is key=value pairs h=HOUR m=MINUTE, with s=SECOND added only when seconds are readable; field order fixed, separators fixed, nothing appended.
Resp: h=7 m=51
